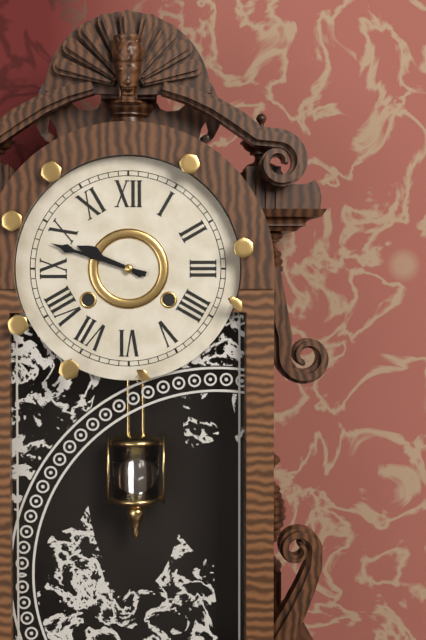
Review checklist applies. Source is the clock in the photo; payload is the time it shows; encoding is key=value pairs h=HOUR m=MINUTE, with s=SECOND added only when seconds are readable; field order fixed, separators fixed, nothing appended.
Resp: h=9 m=48
